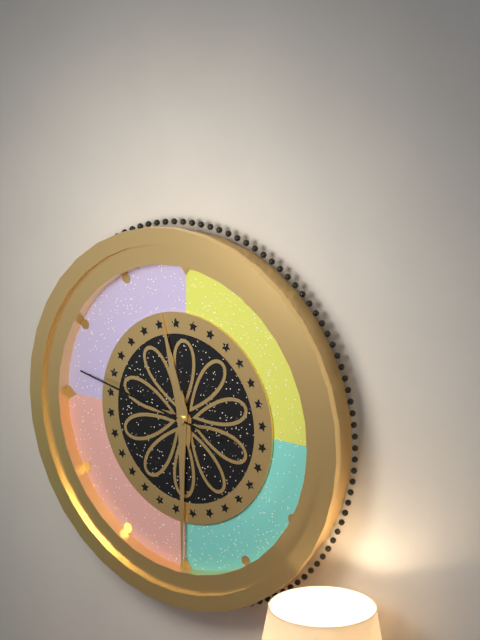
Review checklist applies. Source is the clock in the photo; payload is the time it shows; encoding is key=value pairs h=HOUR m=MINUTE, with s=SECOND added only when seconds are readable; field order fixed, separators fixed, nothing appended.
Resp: h=11 m=30 s=47
